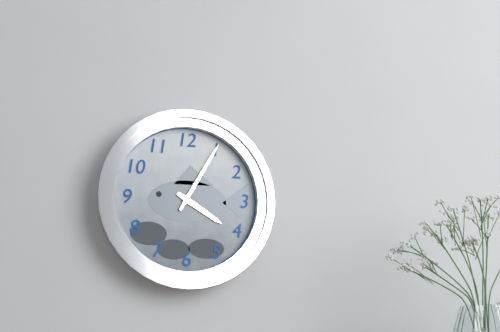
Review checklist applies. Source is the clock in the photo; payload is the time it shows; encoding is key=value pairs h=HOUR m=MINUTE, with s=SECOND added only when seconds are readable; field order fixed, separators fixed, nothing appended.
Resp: h=4 m=5
